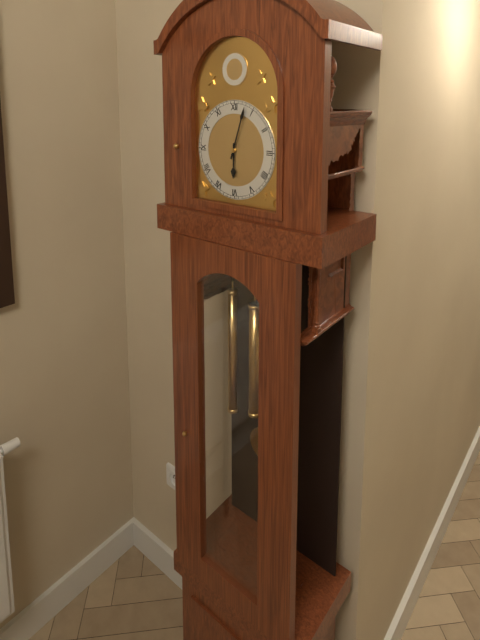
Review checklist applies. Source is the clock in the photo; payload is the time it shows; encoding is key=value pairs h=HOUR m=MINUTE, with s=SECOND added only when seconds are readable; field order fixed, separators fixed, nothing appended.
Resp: h=6 m=3
